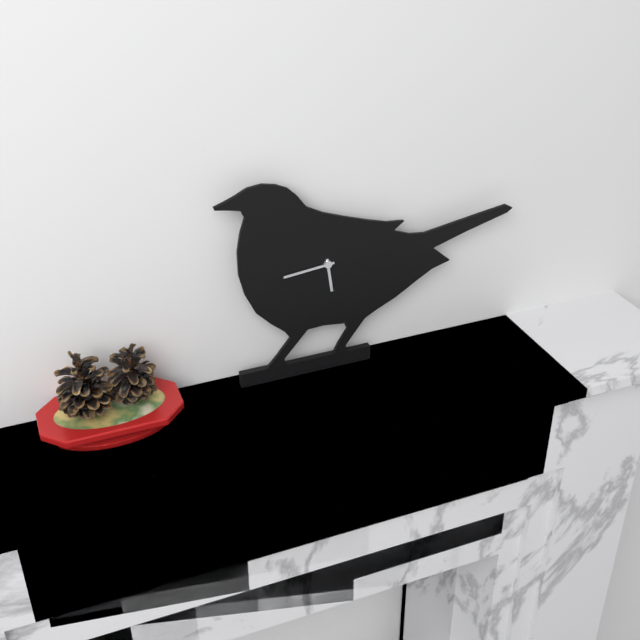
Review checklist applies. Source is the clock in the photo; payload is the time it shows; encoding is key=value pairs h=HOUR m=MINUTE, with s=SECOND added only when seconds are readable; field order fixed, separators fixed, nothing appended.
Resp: h=5 m=44
